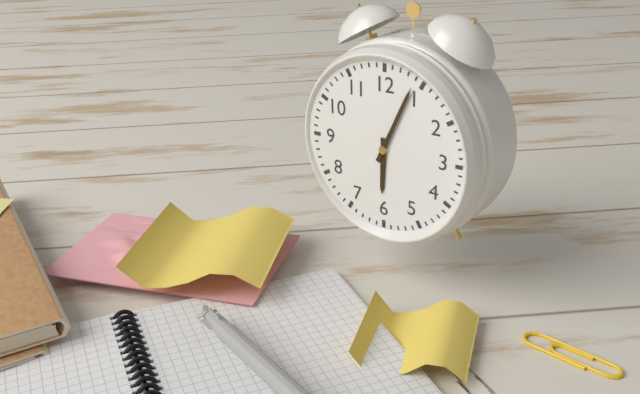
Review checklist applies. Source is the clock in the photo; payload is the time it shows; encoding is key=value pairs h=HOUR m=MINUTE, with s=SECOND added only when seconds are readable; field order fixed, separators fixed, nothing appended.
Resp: h=6 m=4
